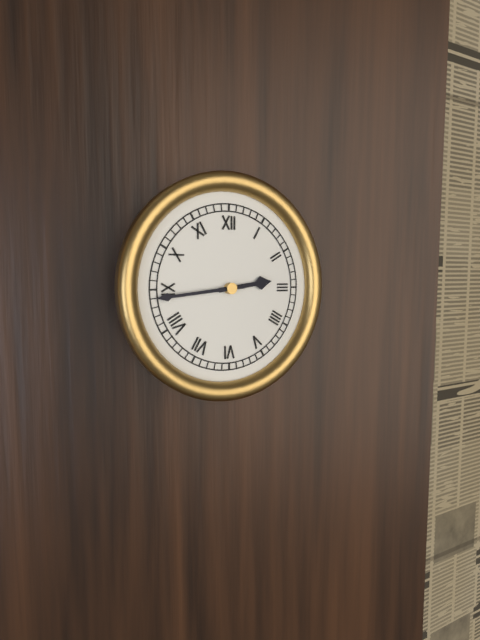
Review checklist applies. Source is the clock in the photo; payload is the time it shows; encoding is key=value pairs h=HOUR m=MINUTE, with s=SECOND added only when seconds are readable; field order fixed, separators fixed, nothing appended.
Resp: h=2 m=44
